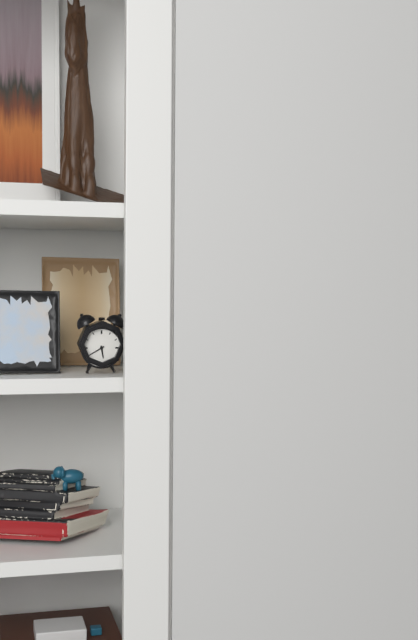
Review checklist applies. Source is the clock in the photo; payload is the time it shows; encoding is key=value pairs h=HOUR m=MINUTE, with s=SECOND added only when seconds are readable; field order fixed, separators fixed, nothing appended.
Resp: h=5 m=40
